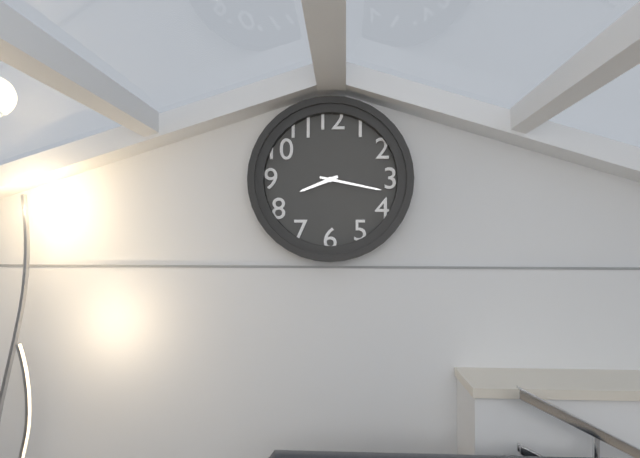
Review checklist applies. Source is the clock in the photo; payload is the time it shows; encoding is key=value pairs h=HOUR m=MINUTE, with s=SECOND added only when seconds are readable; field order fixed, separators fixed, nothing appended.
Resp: h=8 m=17
